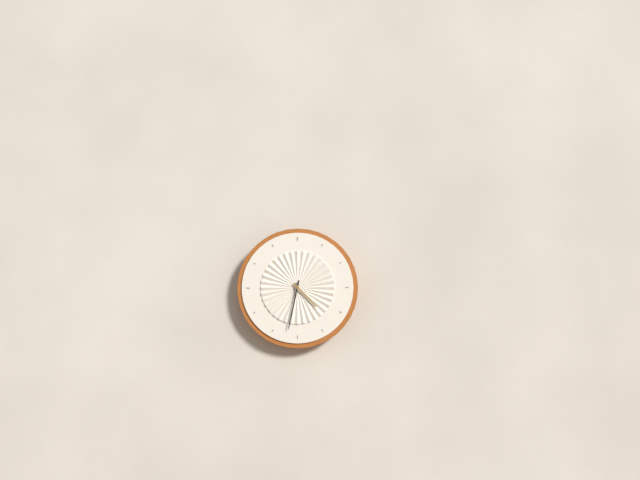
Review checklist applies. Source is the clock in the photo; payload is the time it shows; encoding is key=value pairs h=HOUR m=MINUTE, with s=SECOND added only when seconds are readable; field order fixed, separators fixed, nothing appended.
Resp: h=4 m=32
